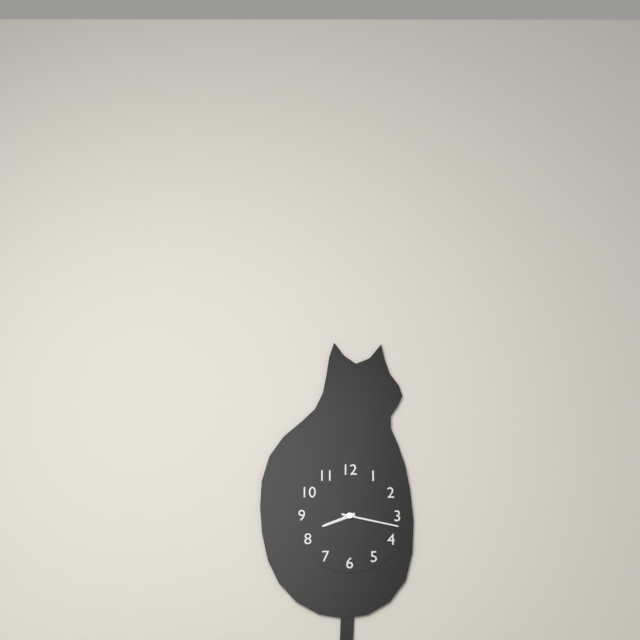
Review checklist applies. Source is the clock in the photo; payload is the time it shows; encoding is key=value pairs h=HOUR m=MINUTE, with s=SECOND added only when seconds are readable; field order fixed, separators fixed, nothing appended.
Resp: h=8 m=17
